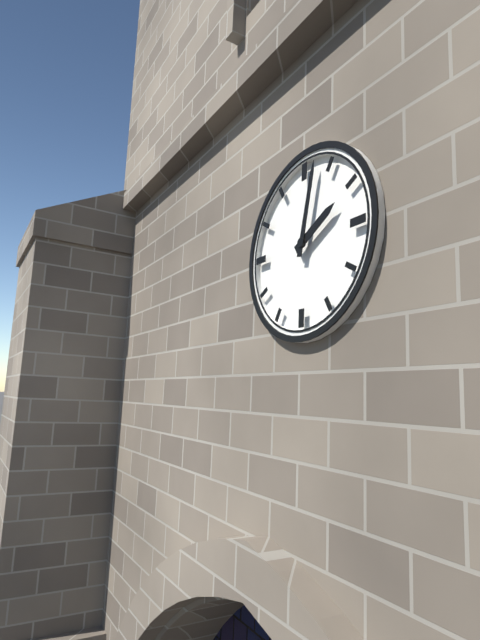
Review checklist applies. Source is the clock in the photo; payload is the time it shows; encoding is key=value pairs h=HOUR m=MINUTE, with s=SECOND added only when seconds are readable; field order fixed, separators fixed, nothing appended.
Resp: h=2 m=2
